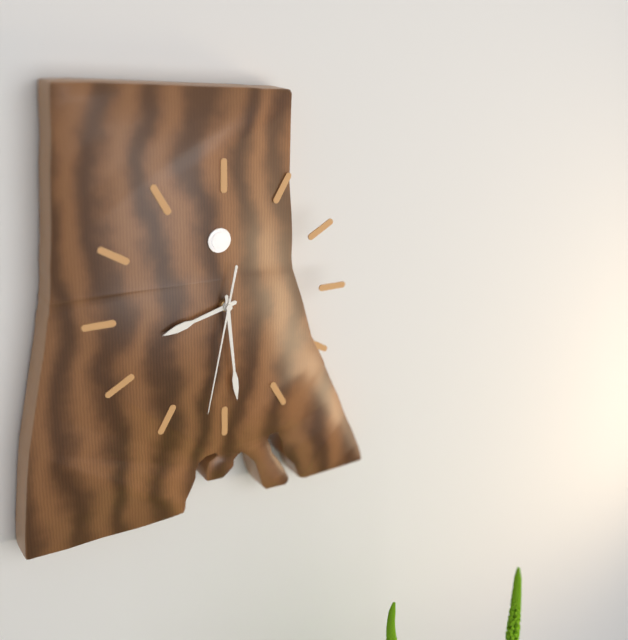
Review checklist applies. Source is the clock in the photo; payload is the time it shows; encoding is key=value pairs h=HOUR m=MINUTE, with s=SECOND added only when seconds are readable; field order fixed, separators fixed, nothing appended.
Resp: h=8 m=29 s=32
